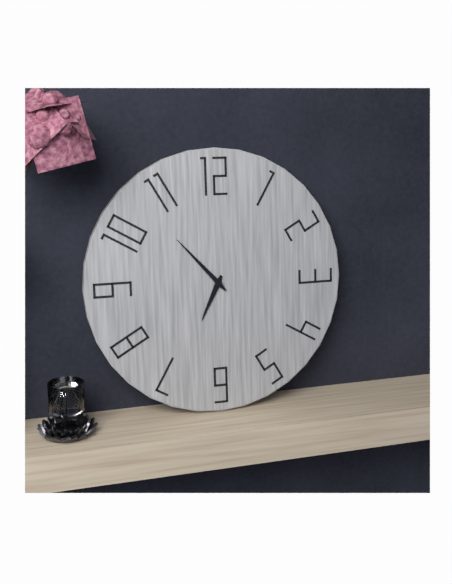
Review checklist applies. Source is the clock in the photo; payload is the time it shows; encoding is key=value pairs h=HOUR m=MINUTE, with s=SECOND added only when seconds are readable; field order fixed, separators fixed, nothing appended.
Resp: h=6 m=53
